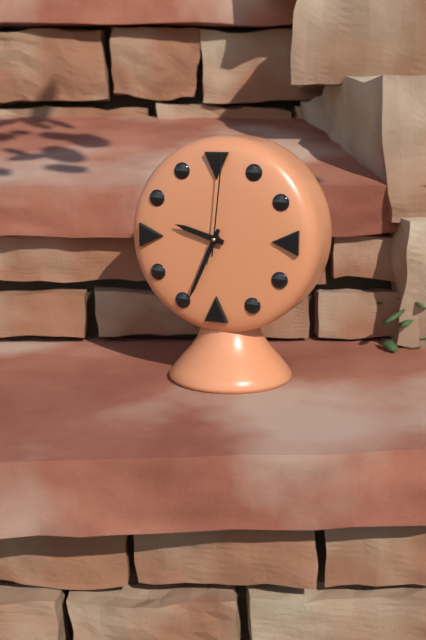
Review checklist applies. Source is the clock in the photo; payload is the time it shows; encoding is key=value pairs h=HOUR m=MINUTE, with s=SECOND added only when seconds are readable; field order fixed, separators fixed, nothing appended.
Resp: h=9 m=34 s=1
